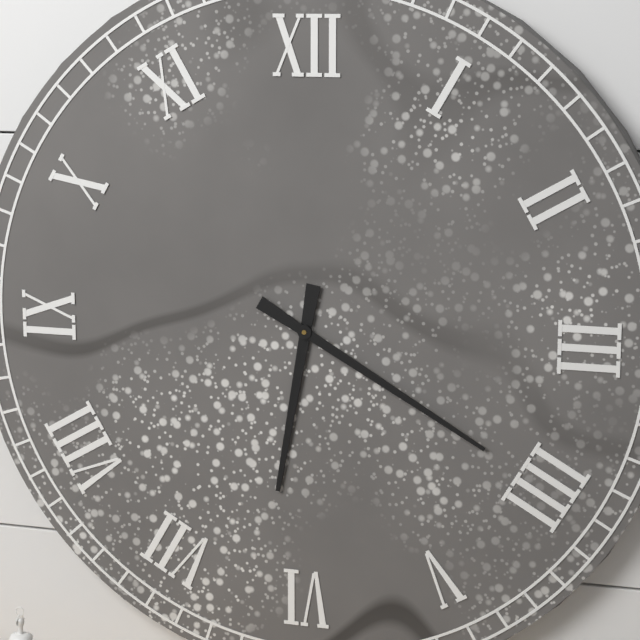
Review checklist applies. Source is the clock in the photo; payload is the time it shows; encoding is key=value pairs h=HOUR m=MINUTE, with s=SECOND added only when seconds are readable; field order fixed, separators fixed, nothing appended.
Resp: h=6 m=20
